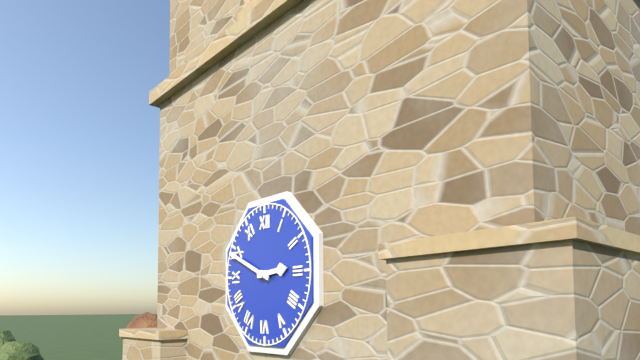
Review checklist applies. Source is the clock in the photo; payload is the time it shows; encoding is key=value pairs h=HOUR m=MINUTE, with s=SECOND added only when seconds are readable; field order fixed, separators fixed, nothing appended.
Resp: h=2 m=49
